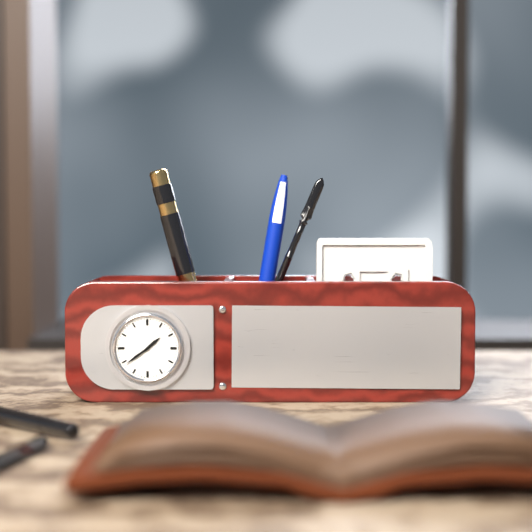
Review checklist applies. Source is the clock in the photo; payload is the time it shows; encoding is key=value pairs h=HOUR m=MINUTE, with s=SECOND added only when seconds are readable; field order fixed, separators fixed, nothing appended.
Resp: h=1 m=39
